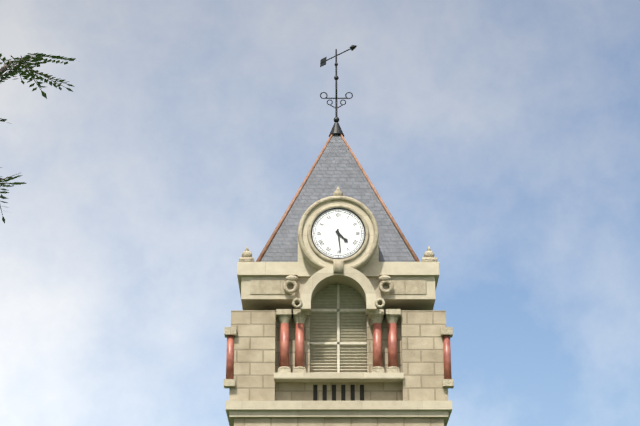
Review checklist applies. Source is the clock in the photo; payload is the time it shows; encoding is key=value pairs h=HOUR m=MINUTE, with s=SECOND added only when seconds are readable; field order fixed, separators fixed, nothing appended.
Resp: h=4 m=29
